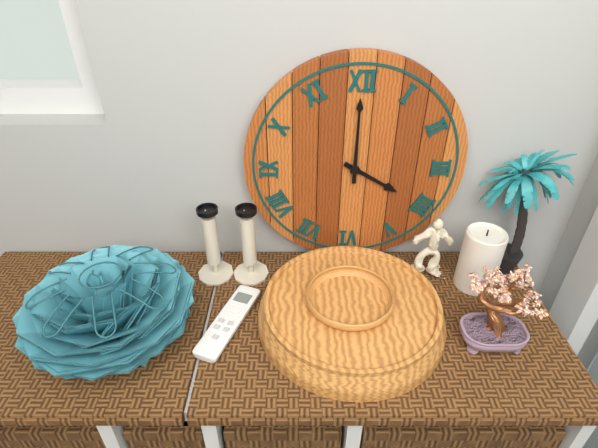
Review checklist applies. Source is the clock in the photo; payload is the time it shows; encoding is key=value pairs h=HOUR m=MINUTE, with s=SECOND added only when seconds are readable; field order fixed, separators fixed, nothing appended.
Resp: h=4 m=0
